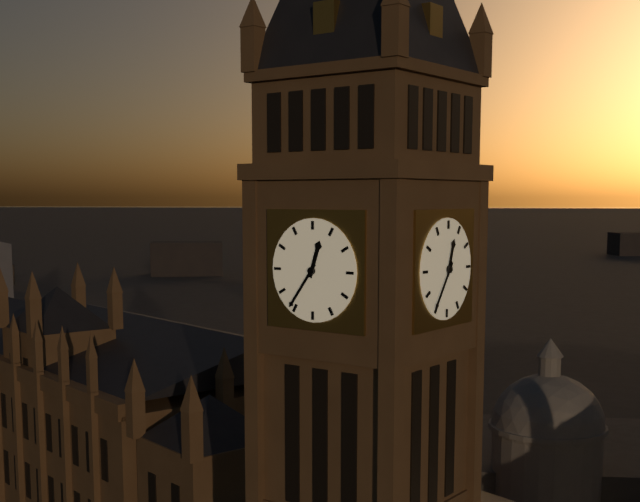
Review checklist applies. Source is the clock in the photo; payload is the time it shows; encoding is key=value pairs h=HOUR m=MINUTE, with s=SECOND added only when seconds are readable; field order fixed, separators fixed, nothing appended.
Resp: h=12 m=36
